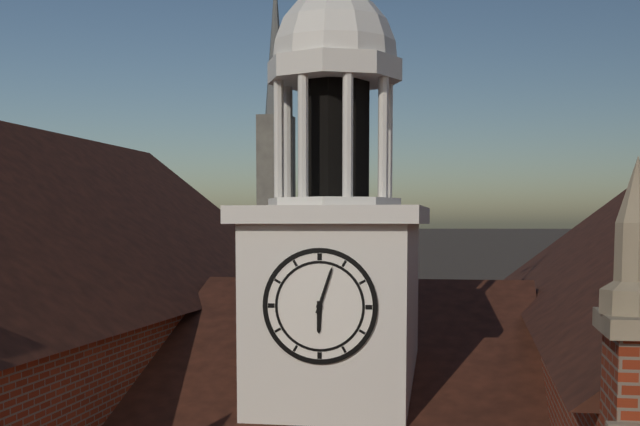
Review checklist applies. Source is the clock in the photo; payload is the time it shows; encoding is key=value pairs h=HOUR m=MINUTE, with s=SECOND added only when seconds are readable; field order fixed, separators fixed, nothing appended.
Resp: h=6 m=3
